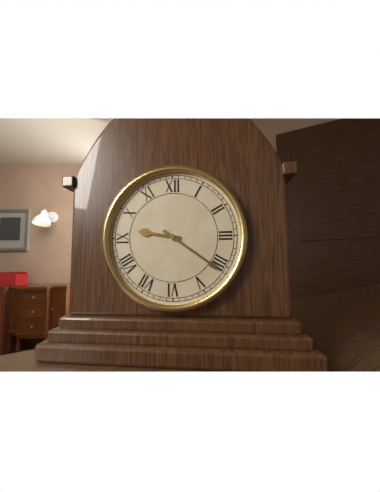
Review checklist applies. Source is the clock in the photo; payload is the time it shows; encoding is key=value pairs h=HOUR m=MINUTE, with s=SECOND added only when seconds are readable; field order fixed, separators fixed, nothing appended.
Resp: h=9 m=21
